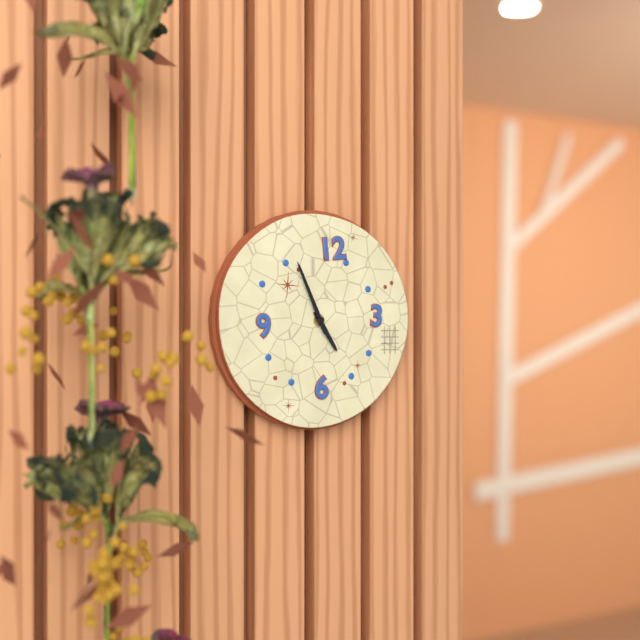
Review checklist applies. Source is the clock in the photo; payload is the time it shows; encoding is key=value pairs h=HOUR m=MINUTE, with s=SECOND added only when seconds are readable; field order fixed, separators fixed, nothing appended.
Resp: h=4 m=56
